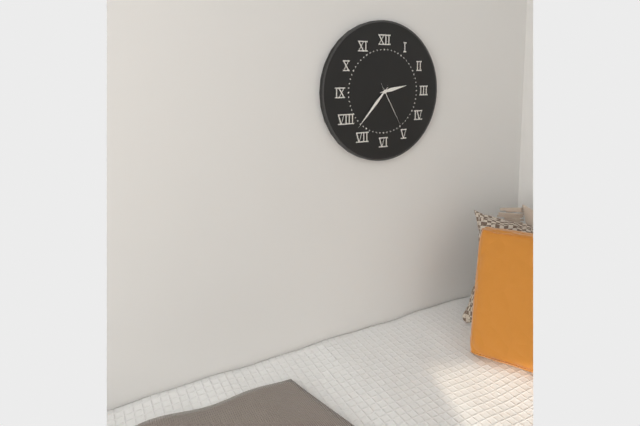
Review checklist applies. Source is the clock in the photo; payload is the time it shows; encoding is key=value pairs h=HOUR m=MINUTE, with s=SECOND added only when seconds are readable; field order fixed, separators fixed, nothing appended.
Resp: h=2 m=37 s=25
